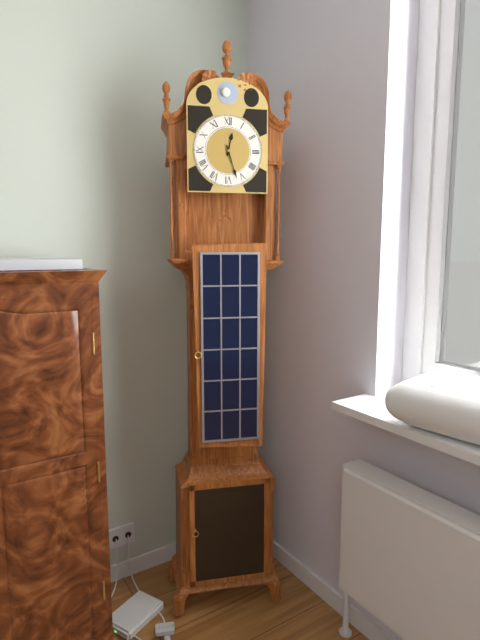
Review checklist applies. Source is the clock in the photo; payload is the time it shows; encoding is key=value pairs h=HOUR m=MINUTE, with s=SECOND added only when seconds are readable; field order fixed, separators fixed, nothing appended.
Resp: h=12 m=27
